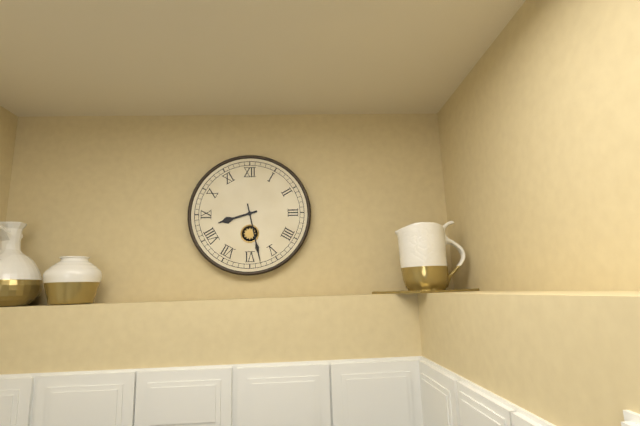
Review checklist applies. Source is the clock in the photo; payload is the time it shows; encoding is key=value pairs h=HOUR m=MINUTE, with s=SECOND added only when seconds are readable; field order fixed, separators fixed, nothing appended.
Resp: h=8 m=28
